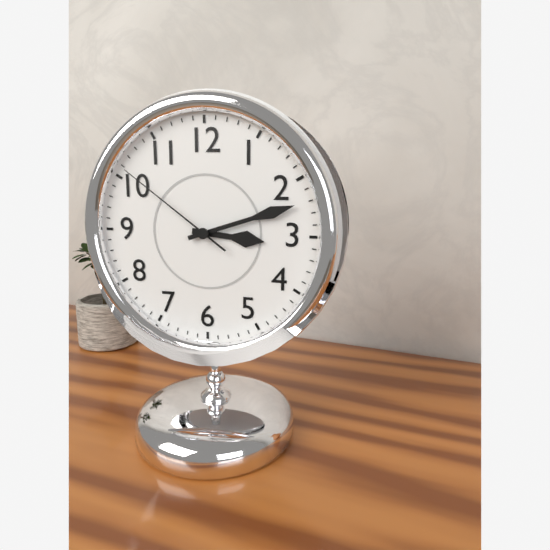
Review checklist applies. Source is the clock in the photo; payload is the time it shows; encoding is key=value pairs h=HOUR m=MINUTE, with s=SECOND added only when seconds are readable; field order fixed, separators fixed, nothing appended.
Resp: h=3 m=12 s=51
